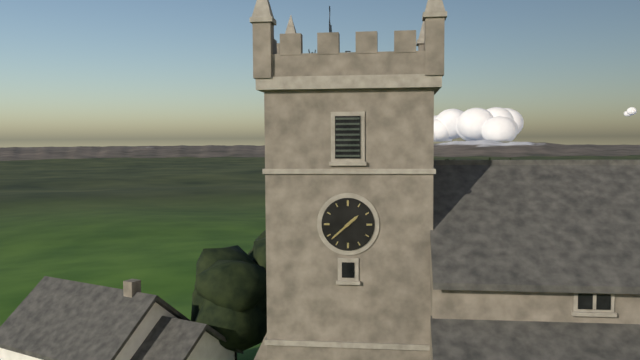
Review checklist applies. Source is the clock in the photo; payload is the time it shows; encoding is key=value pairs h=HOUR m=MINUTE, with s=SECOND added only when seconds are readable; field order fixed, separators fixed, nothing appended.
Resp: h=1 m=38
